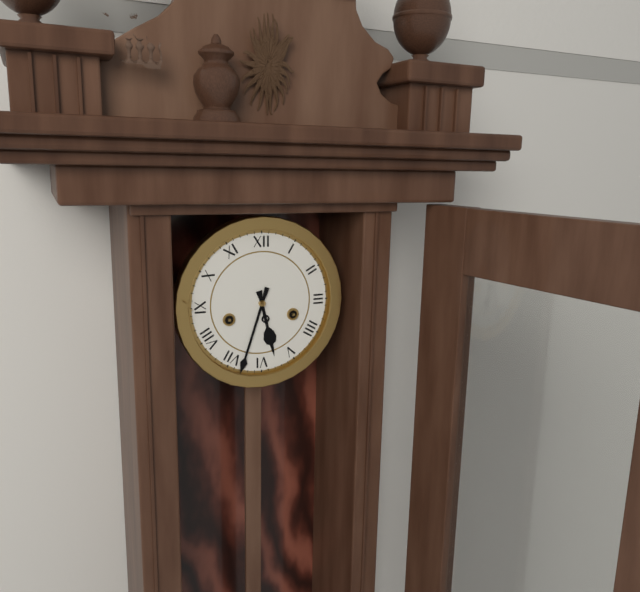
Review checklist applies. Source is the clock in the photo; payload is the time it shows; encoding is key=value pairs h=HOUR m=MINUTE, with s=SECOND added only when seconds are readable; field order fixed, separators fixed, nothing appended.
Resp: h=5 m=33
